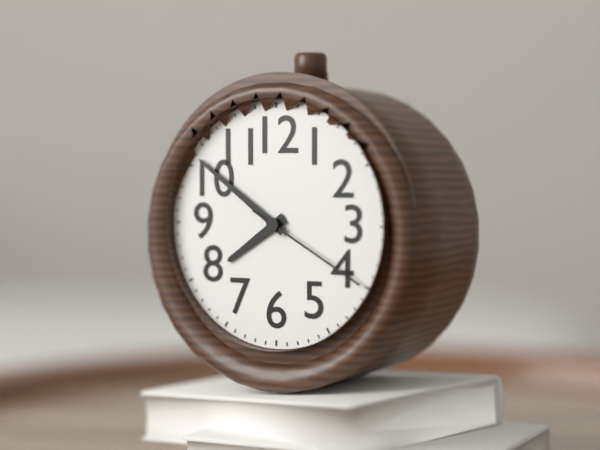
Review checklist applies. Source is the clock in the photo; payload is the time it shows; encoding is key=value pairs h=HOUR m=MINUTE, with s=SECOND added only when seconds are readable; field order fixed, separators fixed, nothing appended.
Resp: h=7 m=51 s=20
